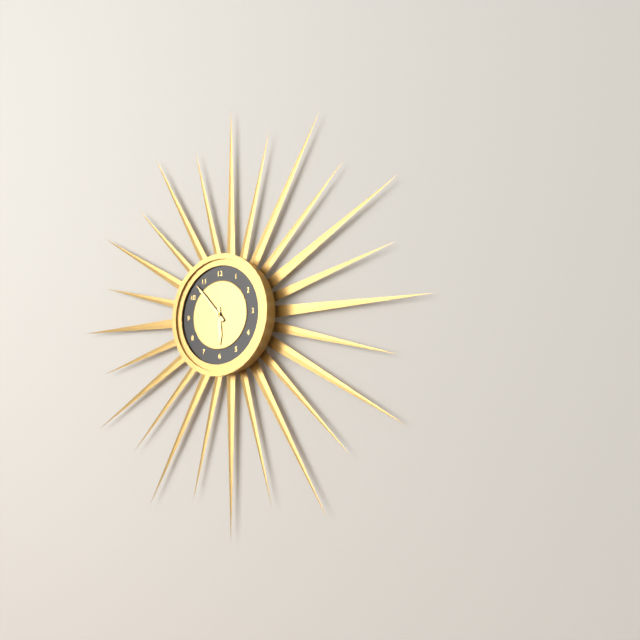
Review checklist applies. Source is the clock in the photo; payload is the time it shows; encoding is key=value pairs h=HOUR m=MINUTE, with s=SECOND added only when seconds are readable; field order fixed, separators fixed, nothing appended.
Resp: h=5 m=53
